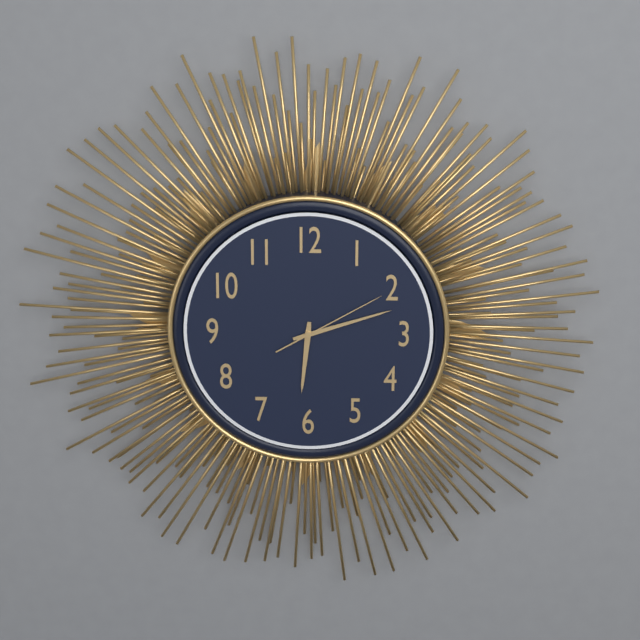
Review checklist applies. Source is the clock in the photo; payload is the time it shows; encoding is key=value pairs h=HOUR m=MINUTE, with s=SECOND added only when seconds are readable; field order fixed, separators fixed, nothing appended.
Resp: h=6 m=12 s=10
